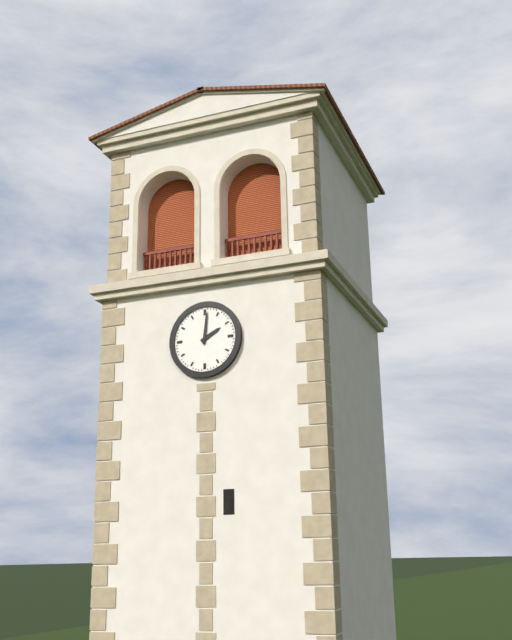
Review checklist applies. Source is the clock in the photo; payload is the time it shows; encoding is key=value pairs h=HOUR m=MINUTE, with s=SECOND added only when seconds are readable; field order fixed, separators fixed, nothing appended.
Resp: h=2 m=1
